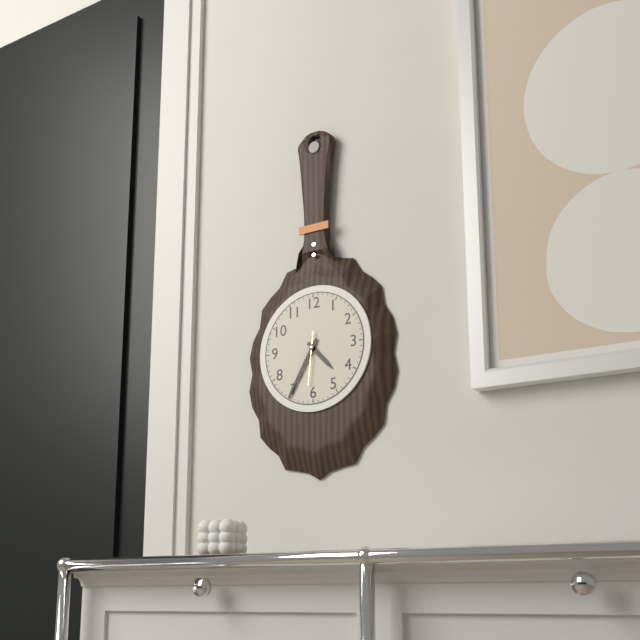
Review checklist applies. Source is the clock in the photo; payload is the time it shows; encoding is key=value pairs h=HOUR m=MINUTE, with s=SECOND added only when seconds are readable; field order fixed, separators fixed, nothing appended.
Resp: h=4 m=35
